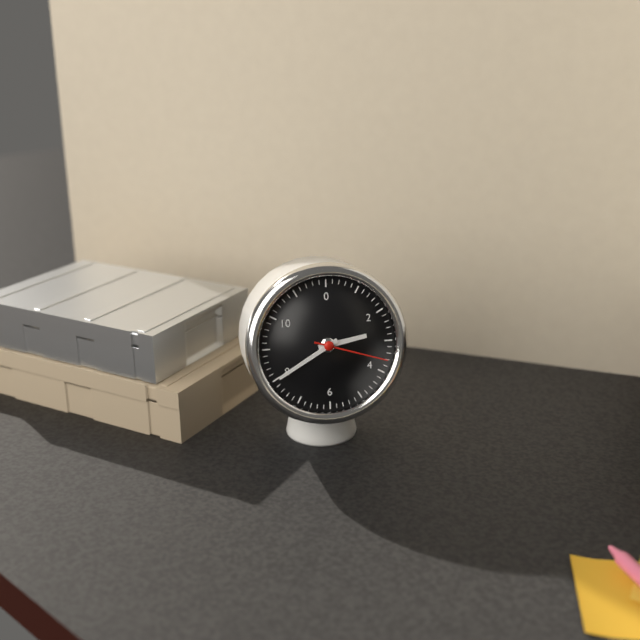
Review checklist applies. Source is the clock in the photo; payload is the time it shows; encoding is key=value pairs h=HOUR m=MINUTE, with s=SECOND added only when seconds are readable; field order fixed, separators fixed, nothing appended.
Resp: h=2 m=40 s=18
